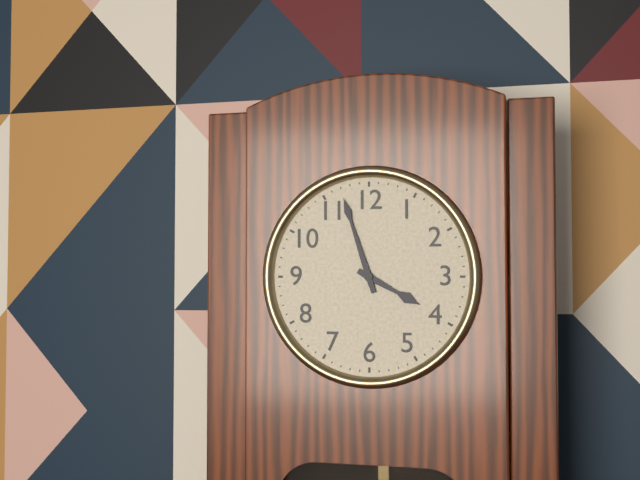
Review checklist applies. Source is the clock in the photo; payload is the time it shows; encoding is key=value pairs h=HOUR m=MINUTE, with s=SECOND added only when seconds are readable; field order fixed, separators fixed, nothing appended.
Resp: h=3 m=57
